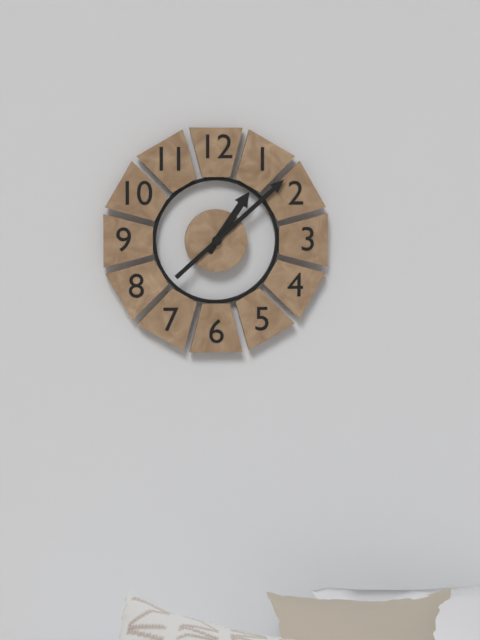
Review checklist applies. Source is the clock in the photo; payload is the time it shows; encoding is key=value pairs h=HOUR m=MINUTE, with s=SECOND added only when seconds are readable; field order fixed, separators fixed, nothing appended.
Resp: h=1 m=8
